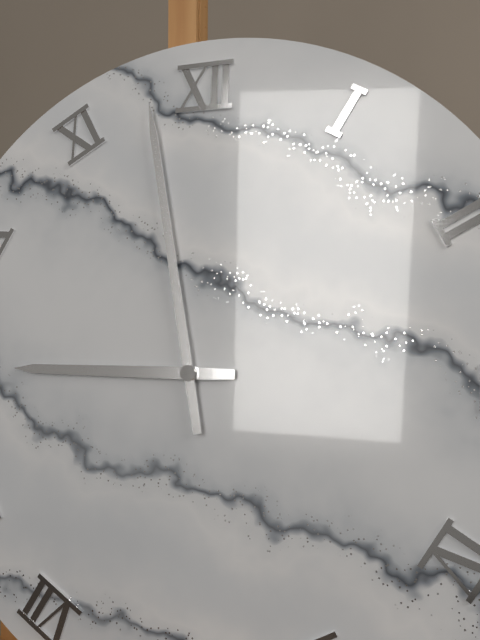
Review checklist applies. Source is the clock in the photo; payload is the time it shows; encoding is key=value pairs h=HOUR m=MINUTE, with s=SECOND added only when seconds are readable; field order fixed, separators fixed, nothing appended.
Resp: h=8 m=58
